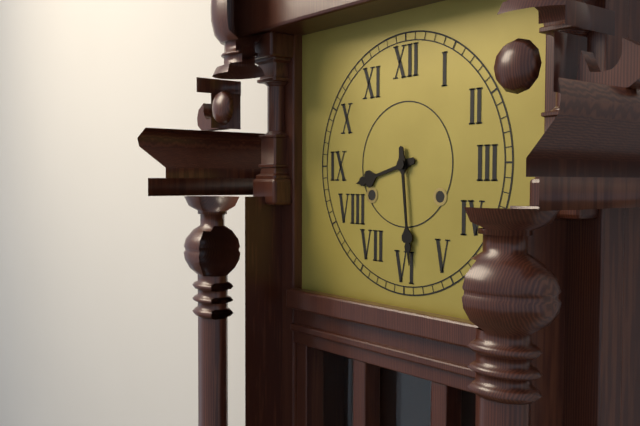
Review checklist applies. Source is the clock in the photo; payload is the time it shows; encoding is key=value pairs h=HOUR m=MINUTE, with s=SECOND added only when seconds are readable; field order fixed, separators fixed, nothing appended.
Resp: h=8 m=29
